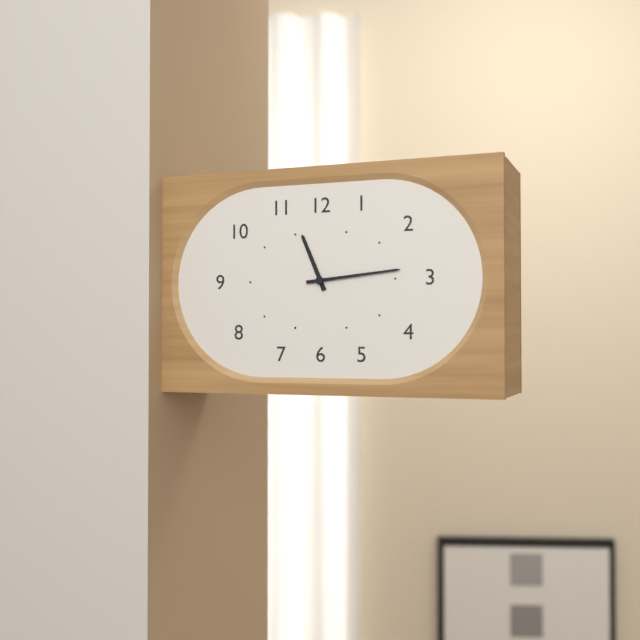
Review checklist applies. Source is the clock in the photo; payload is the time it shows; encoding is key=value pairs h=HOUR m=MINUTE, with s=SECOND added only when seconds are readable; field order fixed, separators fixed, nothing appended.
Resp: h=11 m=14
